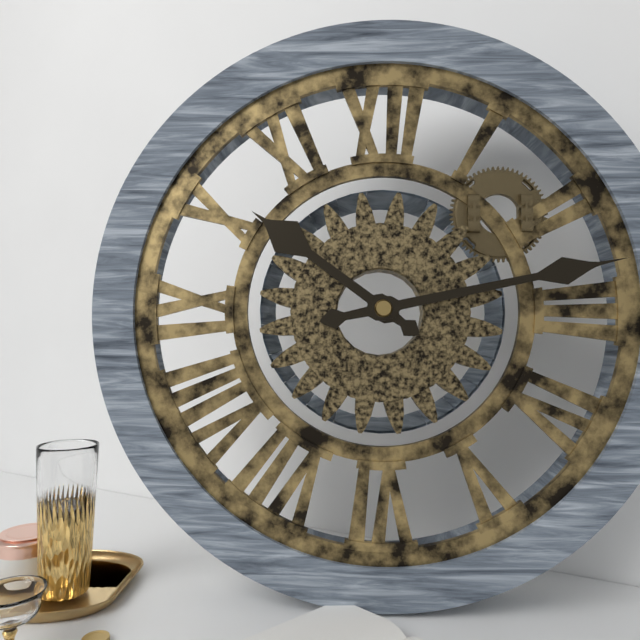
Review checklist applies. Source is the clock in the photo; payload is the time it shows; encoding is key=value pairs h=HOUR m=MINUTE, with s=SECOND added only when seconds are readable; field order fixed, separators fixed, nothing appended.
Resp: h=10 m=13
